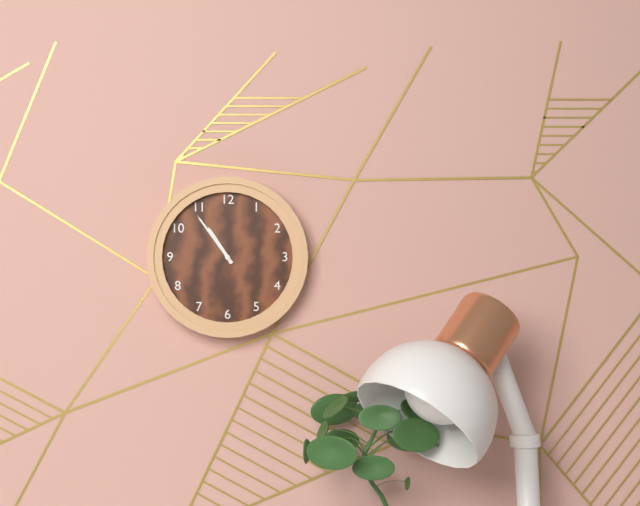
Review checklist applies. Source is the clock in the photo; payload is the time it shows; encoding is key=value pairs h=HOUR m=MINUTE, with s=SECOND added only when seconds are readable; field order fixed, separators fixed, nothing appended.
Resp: h=10 m=54
